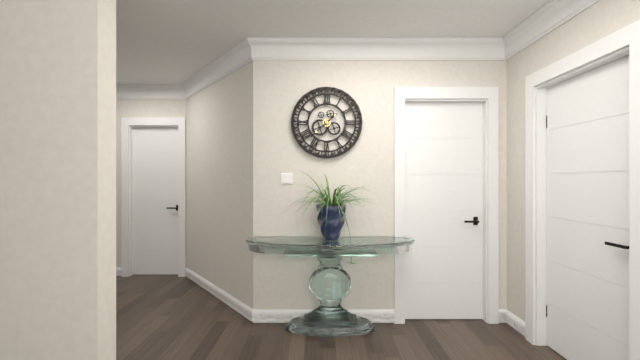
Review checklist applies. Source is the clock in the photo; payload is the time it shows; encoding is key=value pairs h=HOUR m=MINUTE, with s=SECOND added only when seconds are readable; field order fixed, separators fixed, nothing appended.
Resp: h=1 m=38
